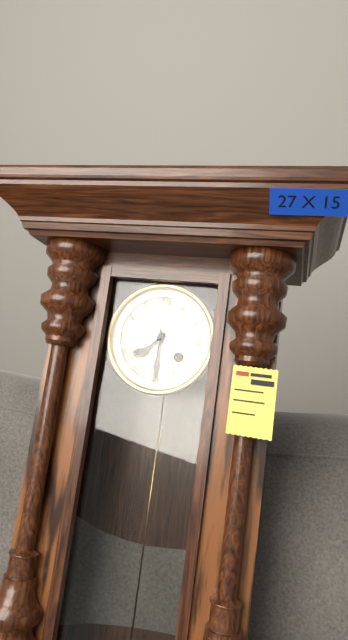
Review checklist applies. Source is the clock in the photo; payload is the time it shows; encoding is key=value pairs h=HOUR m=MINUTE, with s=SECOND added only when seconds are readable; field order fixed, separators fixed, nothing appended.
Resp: h=7 m=30
